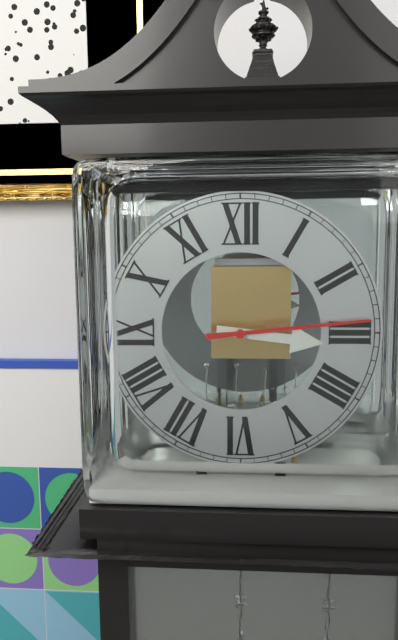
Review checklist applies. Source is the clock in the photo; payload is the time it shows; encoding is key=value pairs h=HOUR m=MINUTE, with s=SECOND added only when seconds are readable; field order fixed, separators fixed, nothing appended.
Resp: h=3 m=14
